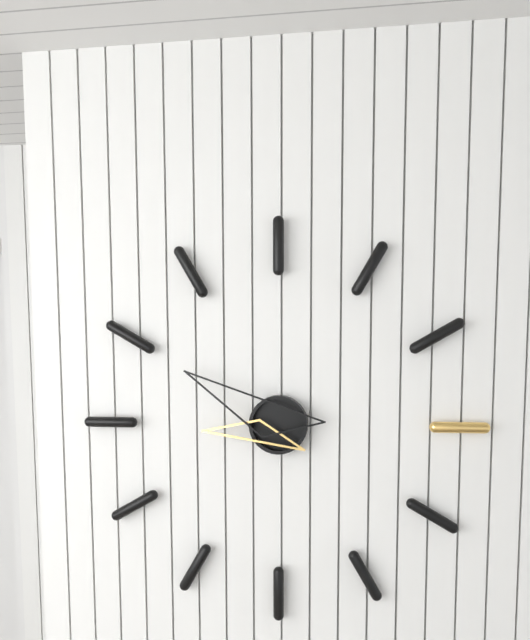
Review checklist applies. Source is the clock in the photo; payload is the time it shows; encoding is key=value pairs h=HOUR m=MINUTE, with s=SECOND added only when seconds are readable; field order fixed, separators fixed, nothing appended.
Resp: h=8 m=50
